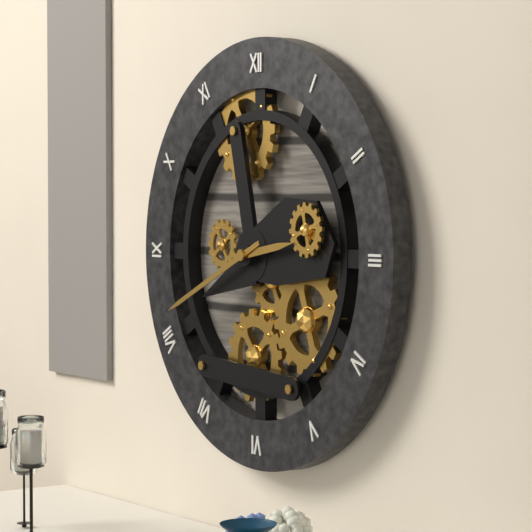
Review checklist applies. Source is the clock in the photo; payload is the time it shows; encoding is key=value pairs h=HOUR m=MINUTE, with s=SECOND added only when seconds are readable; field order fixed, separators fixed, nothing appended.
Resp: h=2 m=41
